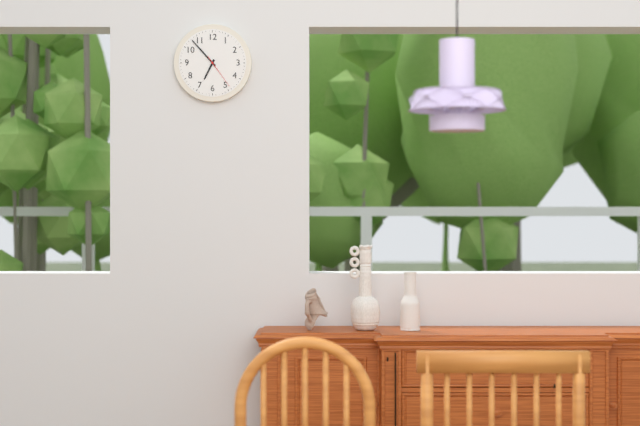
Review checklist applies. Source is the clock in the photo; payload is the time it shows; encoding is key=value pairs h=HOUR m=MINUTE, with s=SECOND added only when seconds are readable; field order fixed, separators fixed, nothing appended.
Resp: h=6 m=53
